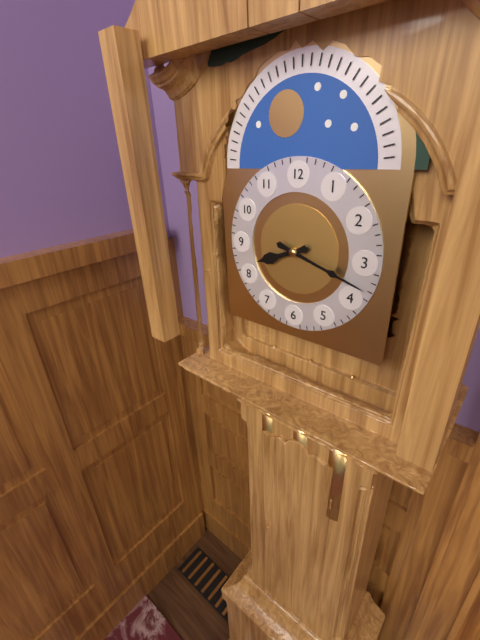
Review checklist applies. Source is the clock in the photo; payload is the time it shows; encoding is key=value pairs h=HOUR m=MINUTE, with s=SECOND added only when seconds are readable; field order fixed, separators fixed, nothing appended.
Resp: h=8 m=18
